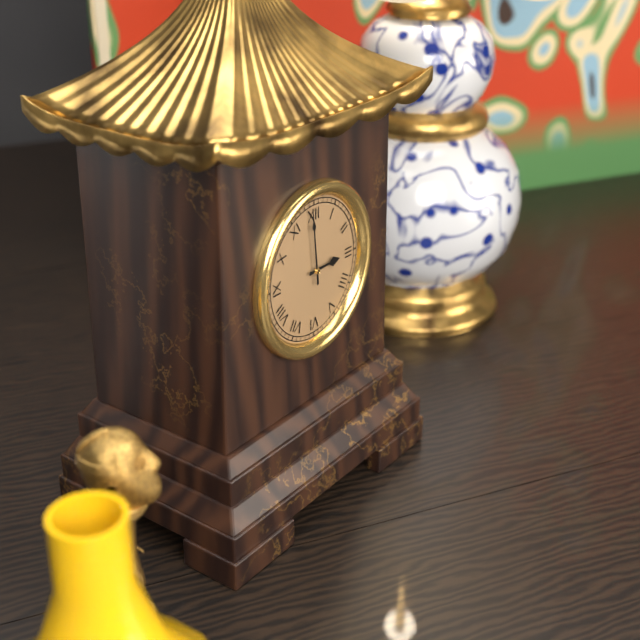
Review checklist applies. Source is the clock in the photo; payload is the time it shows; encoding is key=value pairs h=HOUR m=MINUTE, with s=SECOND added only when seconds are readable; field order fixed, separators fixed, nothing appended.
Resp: h=2 m=59
